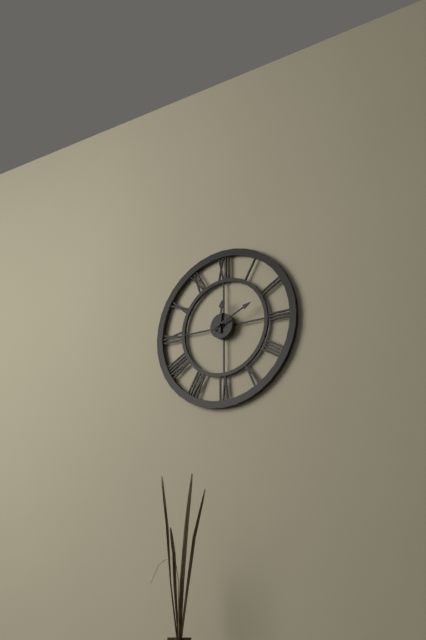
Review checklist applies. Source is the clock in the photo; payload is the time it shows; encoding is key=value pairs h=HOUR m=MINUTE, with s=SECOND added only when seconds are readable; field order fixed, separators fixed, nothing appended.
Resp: h=12 m=11
